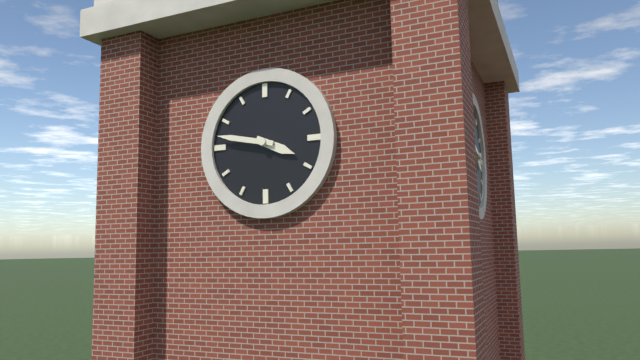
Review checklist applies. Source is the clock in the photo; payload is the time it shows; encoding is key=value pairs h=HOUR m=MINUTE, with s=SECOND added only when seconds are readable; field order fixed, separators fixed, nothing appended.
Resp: h=3 m=47
